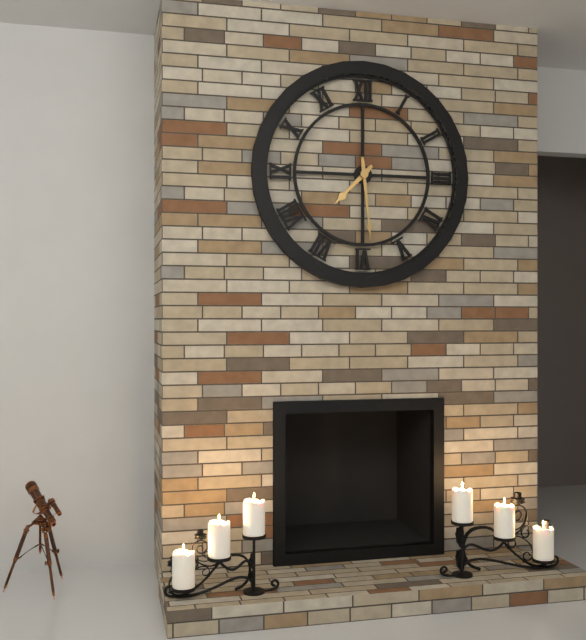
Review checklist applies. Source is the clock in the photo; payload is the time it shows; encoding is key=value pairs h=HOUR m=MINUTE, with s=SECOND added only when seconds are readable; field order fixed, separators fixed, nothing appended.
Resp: h=7 m=29
